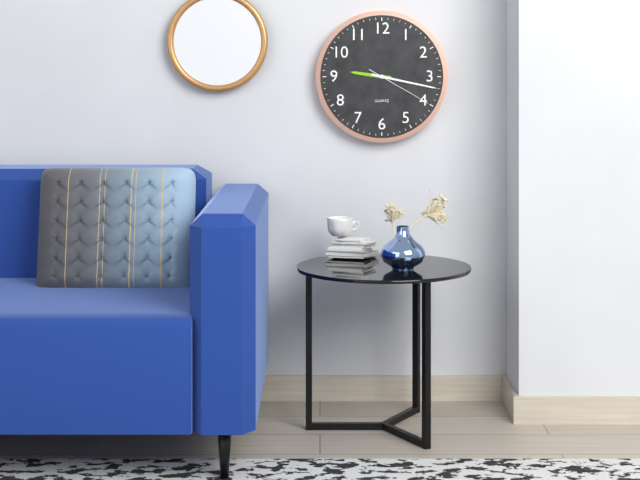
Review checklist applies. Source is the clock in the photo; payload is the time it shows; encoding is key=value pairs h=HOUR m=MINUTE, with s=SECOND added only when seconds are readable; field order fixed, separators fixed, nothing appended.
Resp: h=9 m=17 s=20
